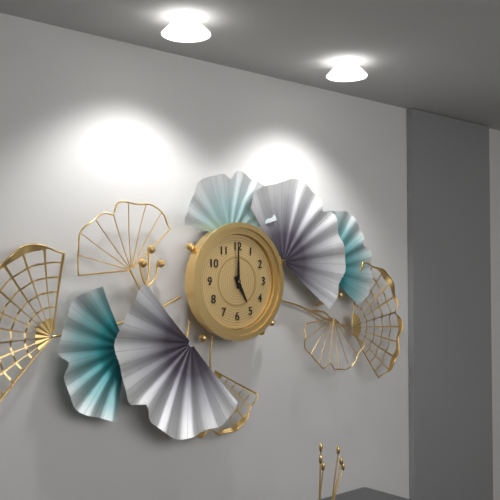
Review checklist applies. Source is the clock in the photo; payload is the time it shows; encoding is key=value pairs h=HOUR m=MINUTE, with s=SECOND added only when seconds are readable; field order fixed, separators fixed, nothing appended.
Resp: h=5 m=0
